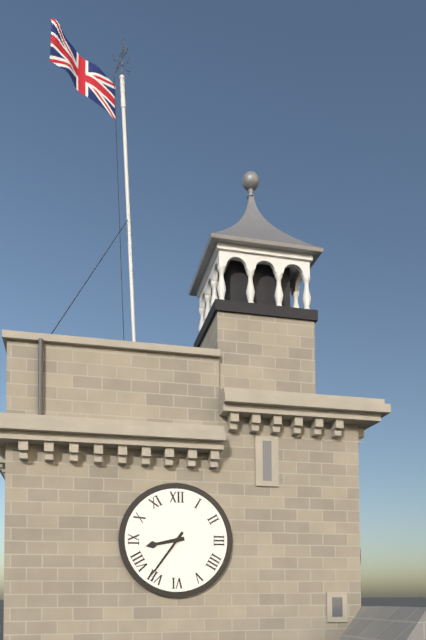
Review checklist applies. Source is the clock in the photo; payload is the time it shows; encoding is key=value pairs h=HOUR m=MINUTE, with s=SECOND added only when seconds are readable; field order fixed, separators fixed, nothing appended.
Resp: h=8 m=36
